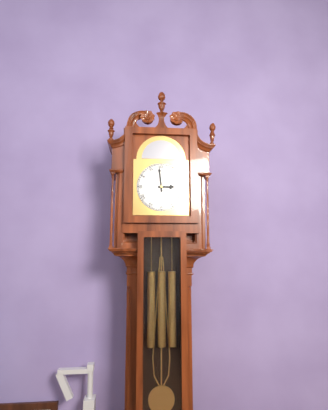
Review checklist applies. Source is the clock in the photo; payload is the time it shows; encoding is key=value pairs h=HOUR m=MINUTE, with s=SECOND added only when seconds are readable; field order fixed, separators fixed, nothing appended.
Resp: h=2 m=59
